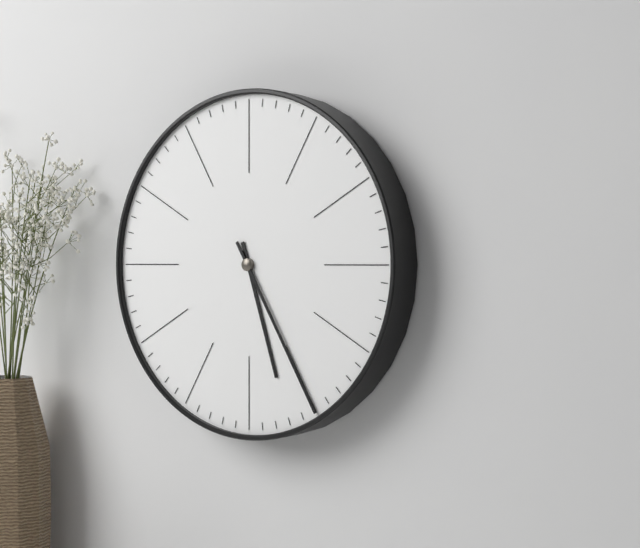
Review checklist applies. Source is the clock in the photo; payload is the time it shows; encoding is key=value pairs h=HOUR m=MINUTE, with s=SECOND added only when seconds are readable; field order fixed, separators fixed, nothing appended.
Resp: h=5 m=25
